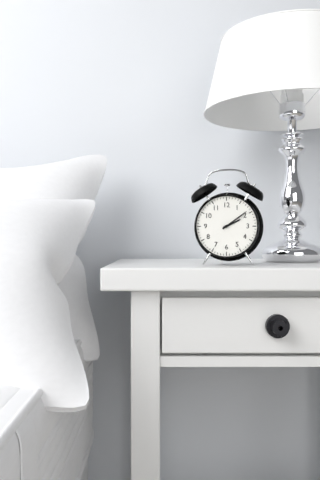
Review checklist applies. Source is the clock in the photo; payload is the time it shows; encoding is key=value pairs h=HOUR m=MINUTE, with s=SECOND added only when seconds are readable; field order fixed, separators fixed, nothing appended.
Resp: h=2 m=9
